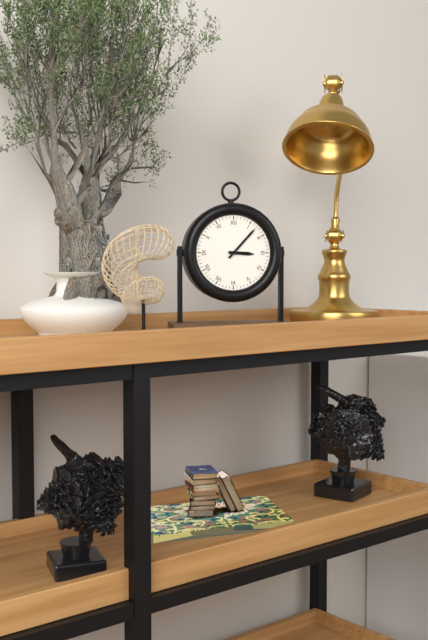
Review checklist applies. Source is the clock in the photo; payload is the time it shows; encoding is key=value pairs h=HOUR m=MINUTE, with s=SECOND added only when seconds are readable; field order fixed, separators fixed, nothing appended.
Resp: h=3 m=7
